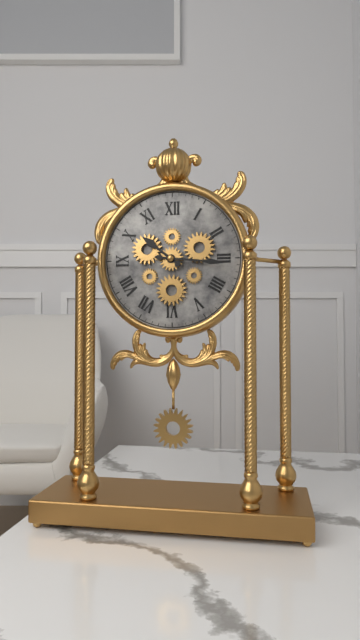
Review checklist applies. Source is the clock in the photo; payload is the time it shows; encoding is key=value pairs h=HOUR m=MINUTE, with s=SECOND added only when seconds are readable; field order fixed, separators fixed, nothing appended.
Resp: h=10 m=16
